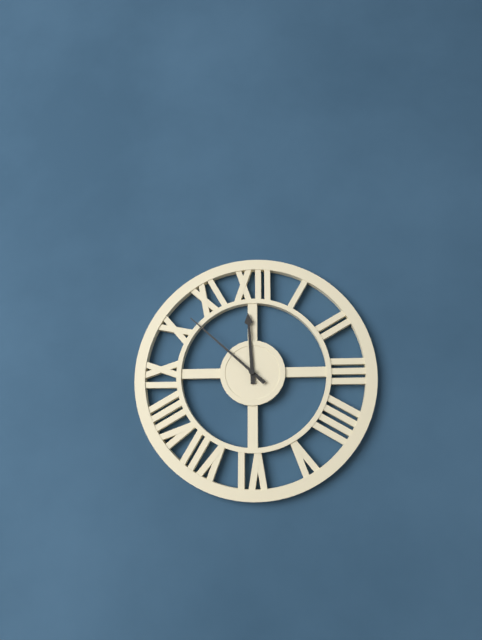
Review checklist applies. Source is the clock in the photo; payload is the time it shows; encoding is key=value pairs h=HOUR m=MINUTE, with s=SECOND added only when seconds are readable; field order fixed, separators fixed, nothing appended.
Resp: h=11 m=52
